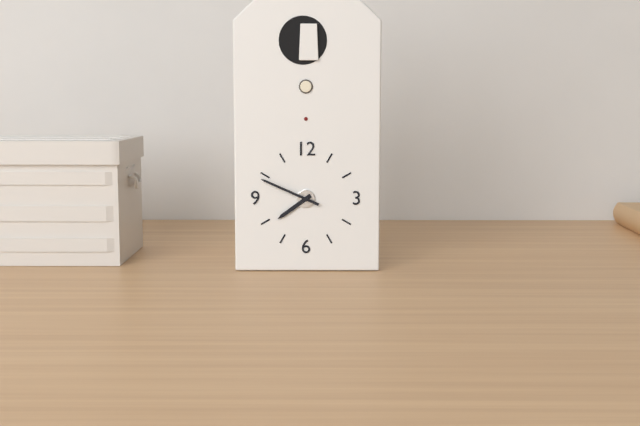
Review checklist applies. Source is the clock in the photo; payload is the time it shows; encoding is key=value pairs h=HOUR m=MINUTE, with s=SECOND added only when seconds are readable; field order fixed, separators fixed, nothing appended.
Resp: h=7 m=49
